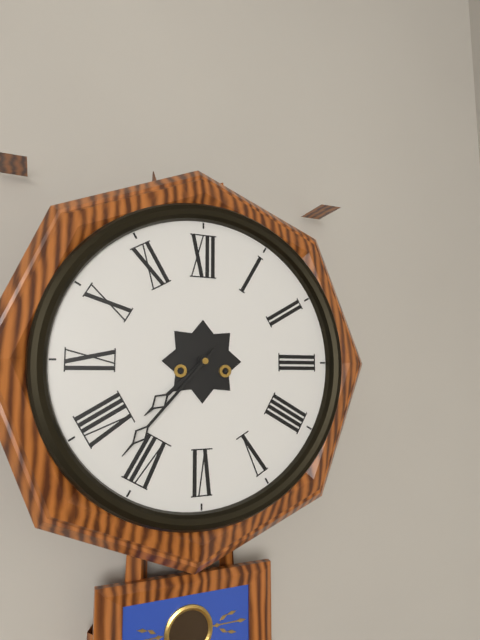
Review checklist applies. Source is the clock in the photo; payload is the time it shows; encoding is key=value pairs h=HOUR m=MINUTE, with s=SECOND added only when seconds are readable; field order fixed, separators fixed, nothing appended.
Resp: h=7 m=37
